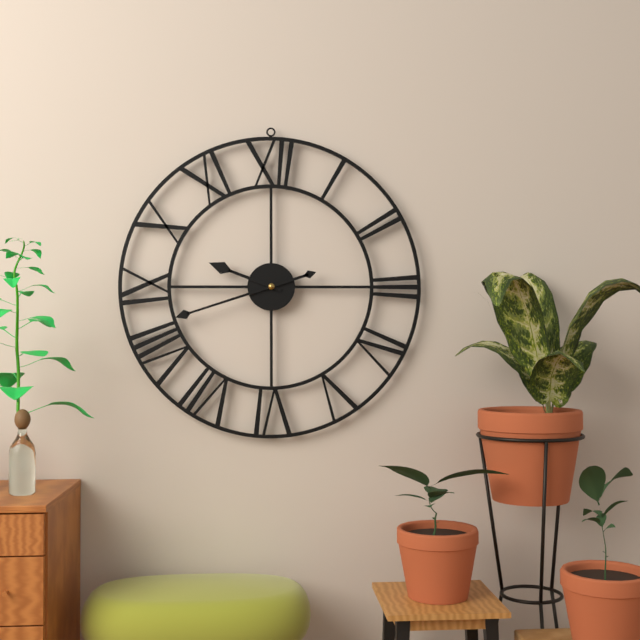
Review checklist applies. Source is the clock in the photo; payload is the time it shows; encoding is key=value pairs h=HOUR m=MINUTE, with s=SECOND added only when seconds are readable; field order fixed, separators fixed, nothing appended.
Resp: h=9 m=42
